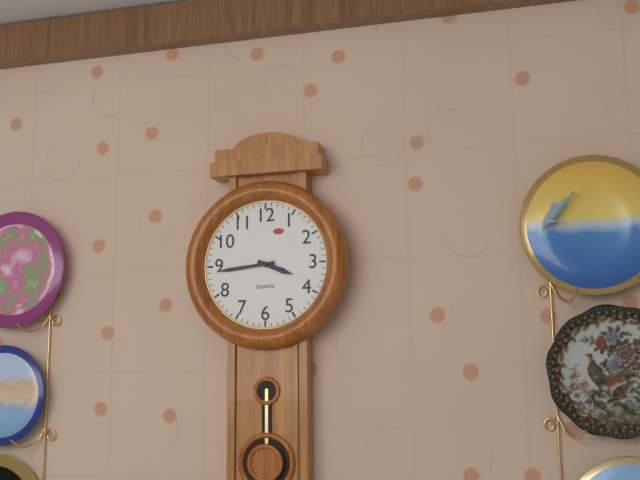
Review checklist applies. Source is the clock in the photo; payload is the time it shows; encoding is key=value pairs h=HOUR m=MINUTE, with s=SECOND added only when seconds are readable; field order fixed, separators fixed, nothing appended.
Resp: h=3 m=44
